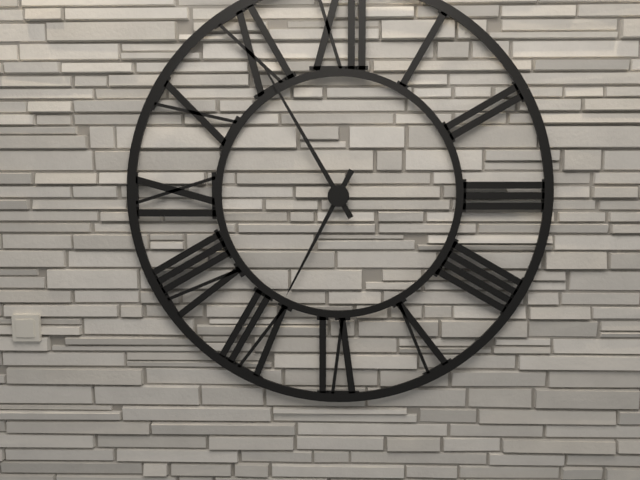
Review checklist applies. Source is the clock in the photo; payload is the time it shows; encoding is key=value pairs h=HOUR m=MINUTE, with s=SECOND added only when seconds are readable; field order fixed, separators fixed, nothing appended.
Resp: h=6 m=55
